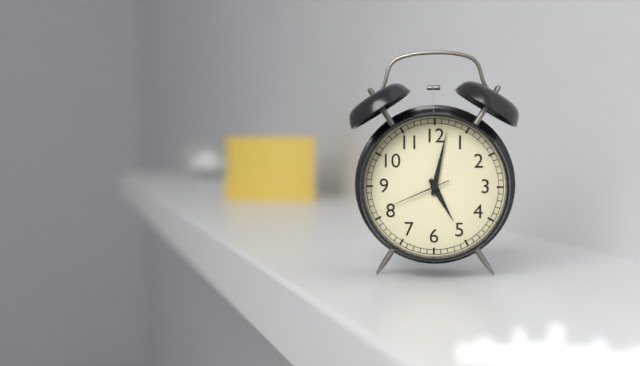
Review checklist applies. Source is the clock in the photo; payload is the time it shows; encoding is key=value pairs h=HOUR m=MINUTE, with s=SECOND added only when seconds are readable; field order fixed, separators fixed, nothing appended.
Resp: h=5 m=2 s=41
